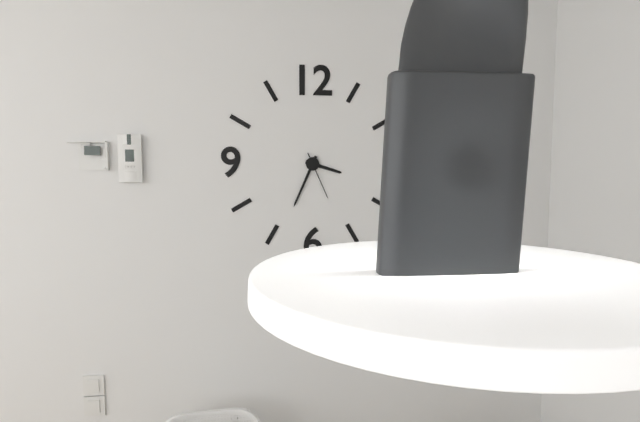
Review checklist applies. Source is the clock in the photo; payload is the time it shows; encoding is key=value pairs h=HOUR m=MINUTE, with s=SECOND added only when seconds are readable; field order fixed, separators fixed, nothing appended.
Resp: h=3 m=34
